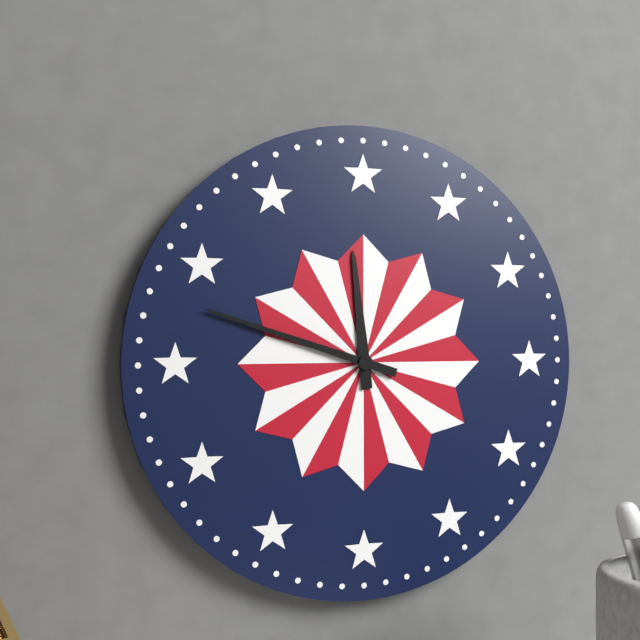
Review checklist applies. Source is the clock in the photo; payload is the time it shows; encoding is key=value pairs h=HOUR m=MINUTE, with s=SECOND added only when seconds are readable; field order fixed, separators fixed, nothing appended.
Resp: h=11 m=48
